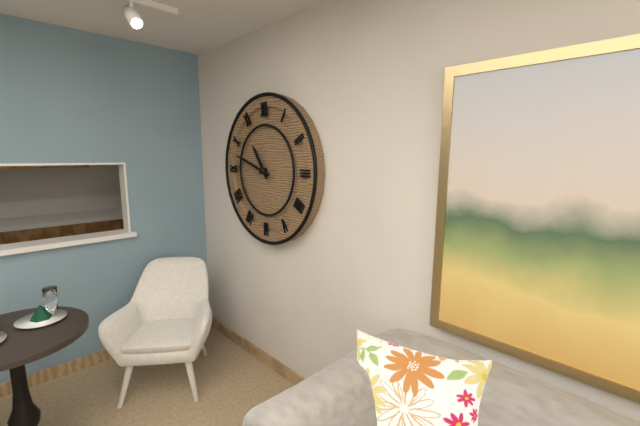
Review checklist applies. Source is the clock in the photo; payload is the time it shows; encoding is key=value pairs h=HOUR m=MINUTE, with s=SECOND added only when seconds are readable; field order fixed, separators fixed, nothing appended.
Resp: h=10 m=48
